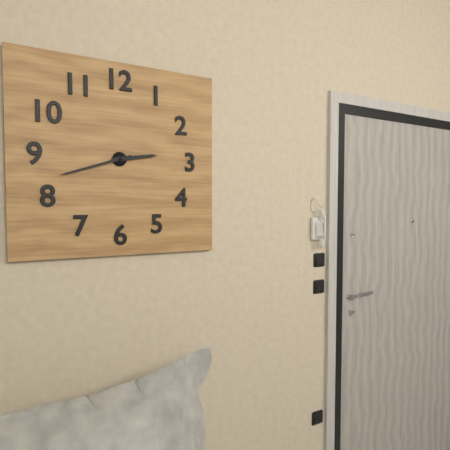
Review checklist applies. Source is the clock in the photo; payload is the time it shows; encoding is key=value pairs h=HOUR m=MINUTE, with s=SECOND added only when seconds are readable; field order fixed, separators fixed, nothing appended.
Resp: h=2 m=42
